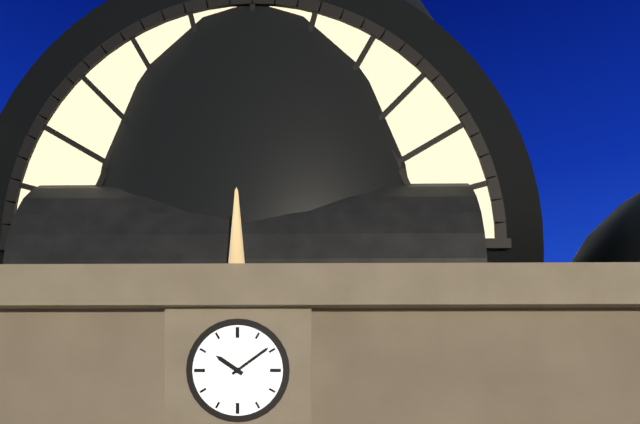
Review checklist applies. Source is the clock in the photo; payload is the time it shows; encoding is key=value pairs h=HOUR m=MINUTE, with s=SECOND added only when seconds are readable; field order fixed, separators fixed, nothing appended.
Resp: h=10 m=9
